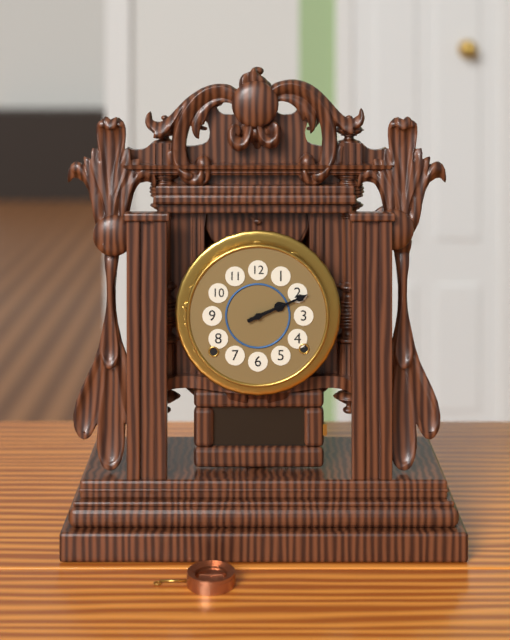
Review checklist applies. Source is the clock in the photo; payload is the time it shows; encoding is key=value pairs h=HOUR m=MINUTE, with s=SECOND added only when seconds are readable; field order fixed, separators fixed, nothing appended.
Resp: h=2 m=11
